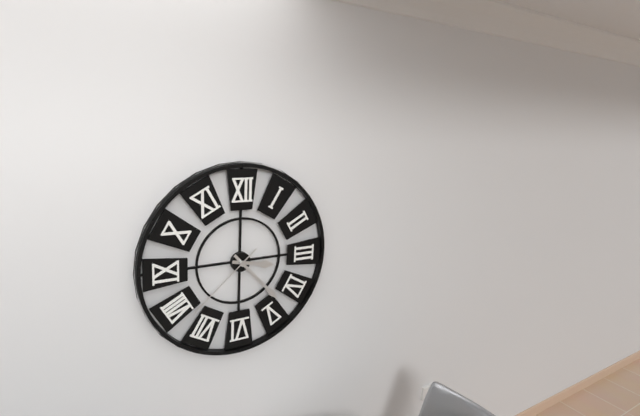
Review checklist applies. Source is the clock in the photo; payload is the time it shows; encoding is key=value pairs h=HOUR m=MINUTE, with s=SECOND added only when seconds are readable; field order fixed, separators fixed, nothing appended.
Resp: h=3 m=23 s=38
